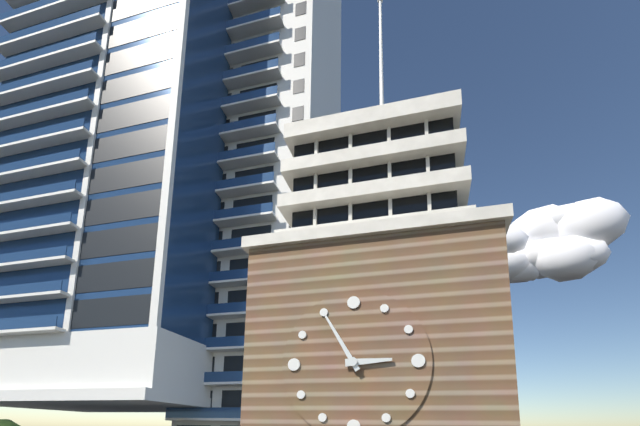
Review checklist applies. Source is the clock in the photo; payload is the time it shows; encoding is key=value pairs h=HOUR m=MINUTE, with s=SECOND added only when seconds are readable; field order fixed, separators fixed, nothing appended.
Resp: h=2 m=55
